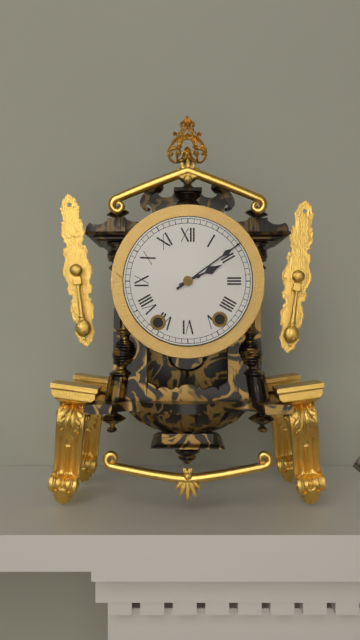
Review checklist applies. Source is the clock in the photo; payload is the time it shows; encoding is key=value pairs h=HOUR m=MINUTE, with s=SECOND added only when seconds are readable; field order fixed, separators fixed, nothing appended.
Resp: h=2 m=9
